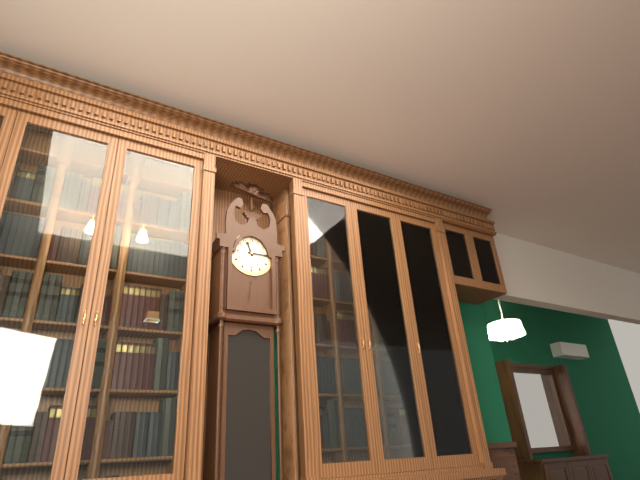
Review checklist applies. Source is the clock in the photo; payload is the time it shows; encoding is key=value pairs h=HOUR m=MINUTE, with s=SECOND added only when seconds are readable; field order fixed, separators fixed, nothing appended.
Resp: h=11 m=15
